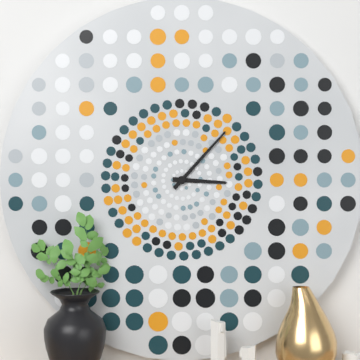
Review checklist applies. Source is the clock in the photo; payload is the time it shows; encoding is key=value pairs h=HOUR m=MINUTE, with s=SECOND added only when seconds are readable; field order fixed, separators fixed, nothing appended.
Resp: h=3 m=7
